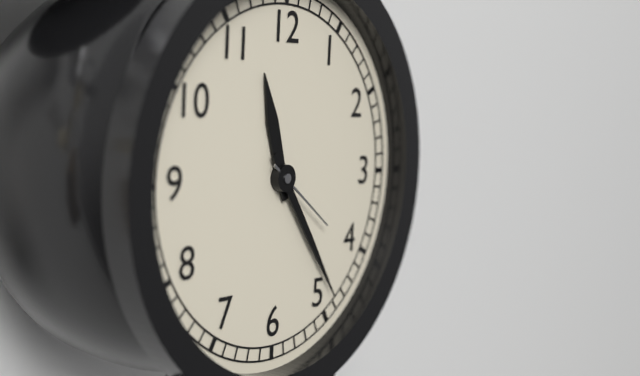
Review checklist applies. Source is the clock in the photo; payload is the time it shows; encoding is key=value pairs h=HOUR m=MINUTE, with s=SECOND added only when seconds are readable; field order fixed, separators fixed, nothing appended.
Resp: h=11 m=24 s=21
